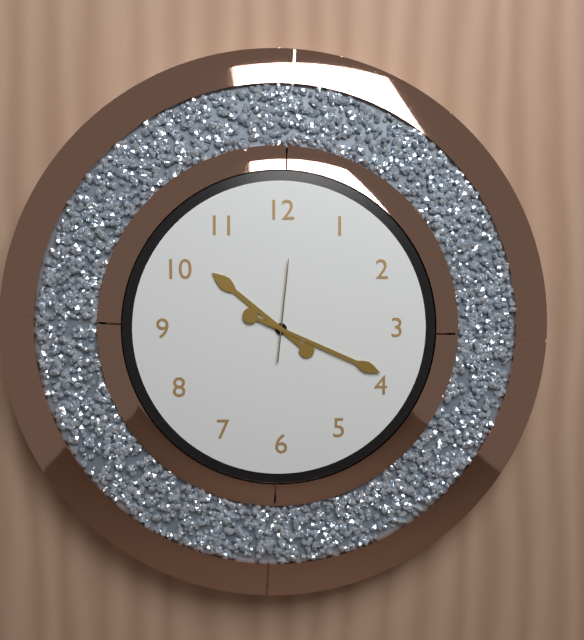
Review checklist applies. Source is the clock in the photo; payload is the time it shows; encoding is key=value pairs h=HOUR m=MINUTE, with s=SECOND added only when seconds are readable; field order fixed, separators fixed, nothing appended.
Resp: h=10 m=19 s=1
